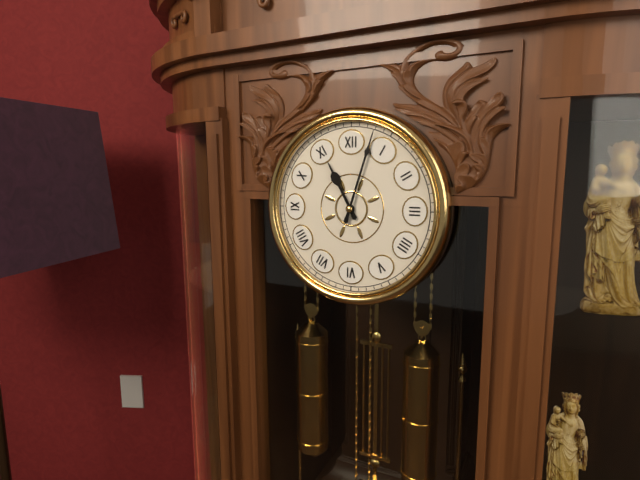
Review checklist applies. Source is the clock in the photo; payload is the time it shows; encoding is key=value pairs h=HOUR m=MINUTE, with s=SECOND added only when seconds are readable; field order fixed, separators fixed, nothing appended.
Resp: h=11 m=3
